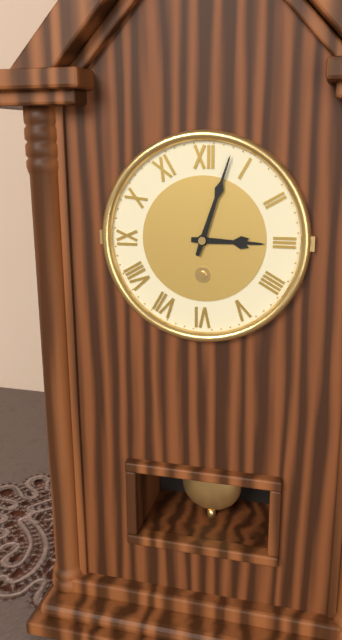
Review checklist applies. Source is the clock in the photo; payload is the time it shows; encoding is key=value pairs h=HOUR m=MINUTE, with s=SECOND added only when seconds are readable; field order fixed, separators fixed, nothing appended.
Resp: h=3 m=3
